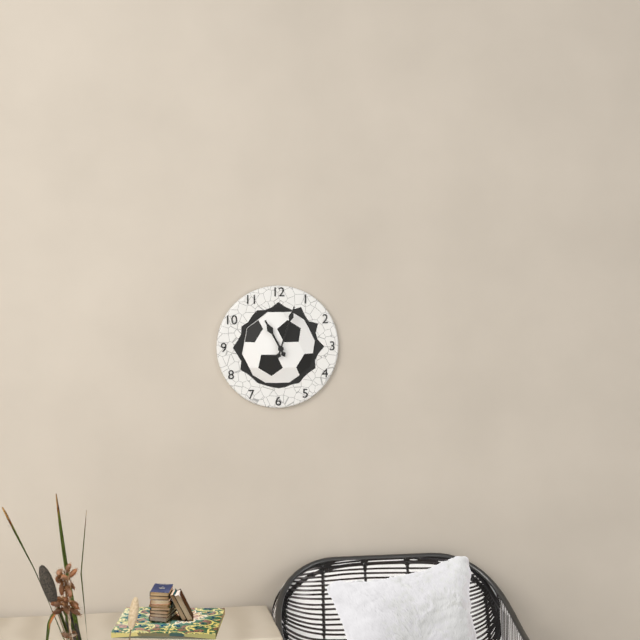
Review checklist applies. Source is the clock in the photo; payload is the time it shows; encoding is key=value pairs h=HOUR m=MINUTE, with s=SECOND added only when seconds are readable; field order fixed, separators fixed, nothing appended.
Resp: h=11 m=3
